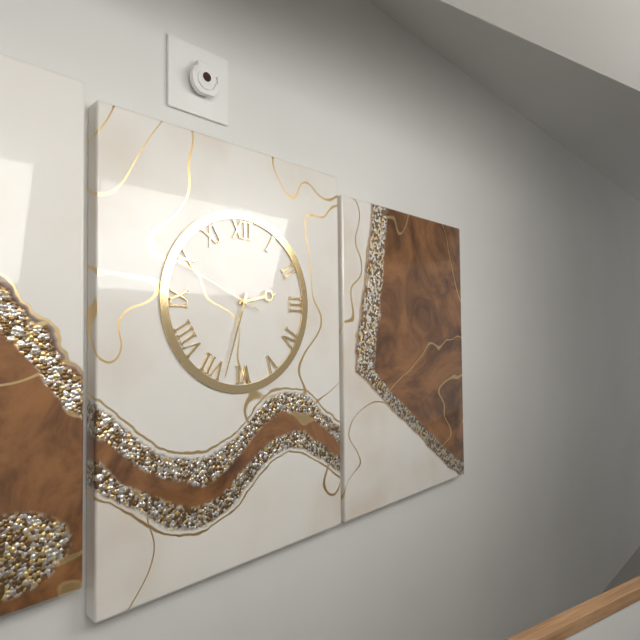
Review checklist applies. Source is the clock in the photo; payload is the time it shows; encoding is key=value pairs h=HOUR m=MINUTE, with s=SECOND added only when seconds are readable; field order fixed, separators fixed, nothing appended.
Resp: h=2 m=33 s=49
